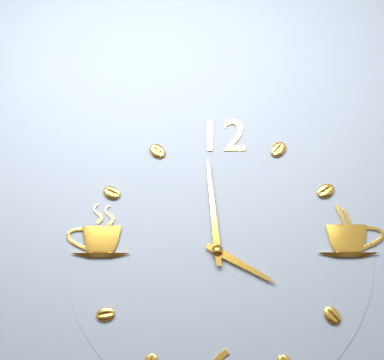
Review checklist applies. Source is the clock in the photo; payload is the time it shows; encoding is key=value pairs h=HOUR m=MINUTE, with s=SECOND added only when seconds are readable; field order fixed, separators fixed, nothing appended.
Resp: h=3 m=59
